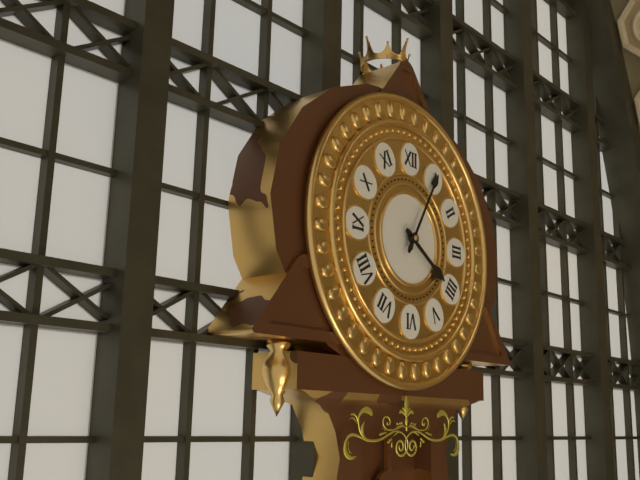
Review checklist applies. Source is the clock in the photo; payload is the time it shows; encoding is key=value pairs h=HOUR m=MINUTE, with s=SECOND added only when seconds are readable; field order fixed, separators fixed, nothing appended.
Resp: h=4 m=5
